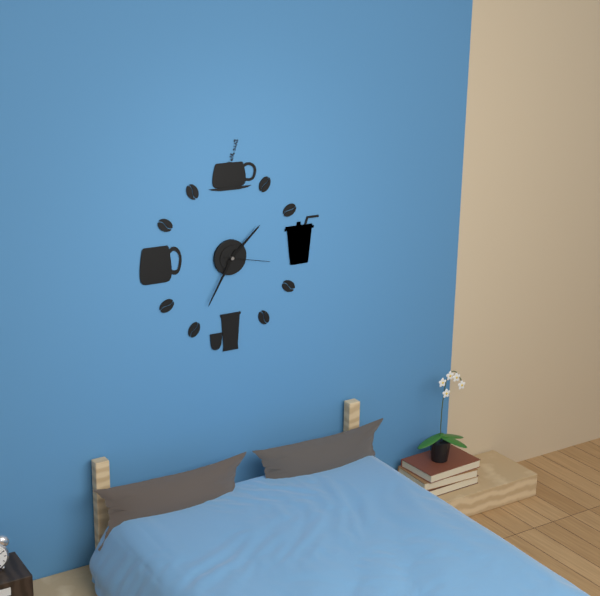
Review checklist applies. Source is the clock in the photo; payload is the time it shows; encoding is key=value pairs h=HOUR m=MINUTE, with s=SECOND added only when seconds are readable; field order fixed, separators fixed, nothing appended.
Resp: h=1 m=35
